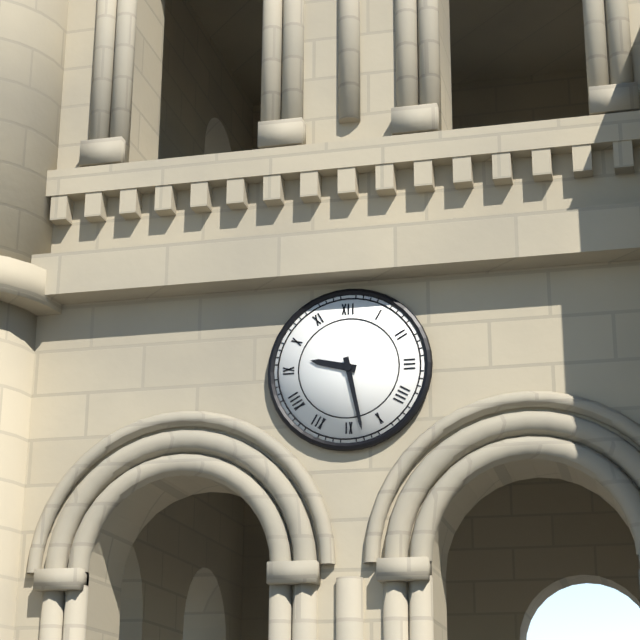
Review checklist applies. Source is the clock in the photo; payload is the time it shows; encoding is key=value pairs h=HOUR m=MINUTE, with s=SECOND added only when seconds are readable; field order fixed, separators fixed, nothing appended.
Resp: h=9 m=28
